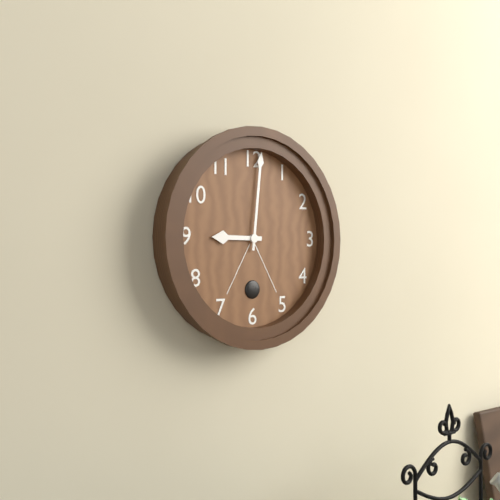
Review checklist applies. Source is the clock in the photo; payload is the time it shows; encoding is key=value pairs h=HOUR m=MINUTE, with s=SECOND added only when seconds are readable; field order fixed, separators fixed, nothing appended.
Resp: h=9 m=1
